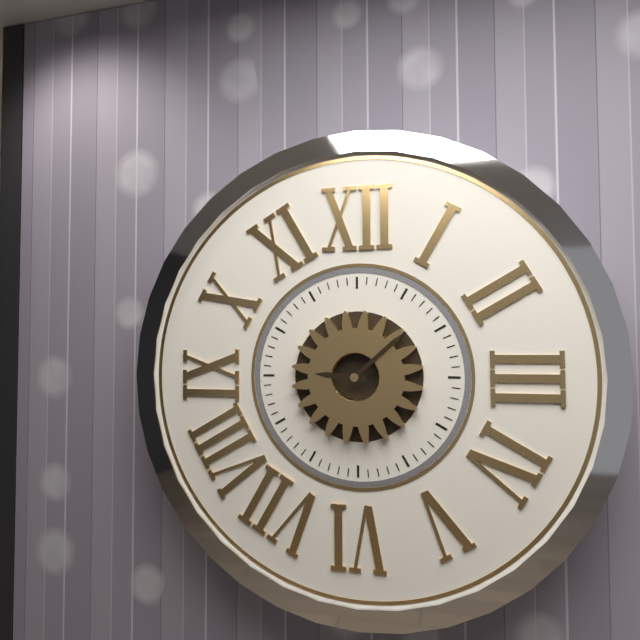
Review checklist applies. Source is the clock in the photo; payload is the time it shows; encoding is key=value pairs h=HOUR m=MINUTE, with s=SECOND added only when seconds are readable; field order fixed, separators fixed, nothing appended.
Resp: h=9 m=8
